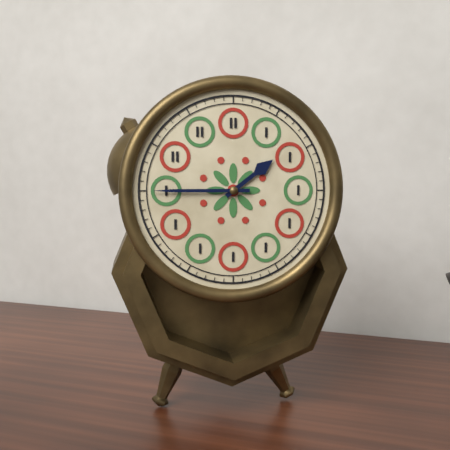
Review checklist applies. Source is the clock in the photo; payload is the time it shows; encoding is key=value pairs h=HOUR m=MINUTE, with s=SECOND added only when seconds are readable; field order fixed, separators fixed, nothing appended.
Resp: h=1 m=45
